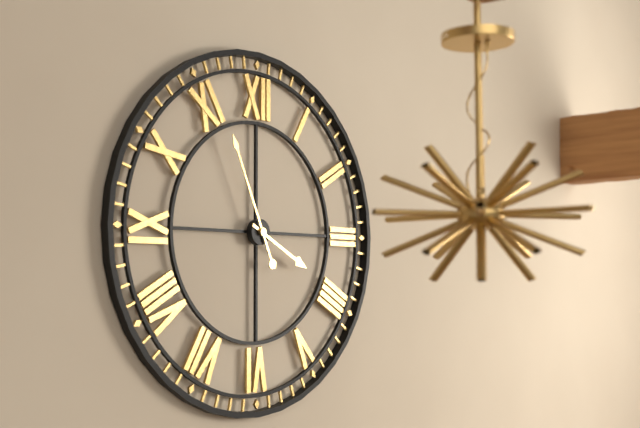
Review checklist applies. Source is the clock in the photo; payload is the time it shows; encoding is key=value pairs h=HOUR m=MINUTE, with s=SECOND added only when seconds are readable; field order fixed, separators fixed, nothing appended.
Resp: h=3 m=56
